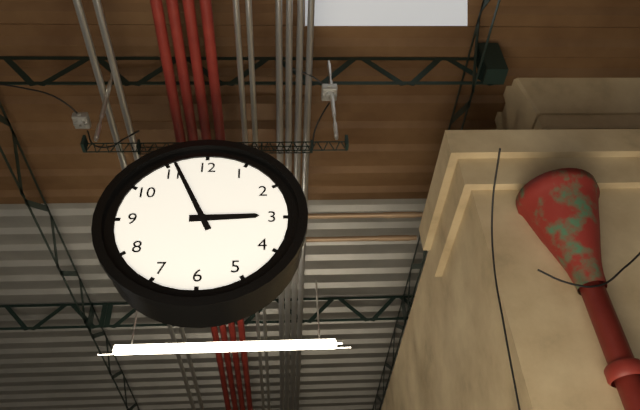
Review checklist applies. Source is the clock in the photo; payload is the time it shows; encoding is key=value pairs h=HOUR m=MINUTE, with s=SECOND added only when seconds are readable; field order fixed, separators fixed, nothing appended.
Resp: h=2 m=56
